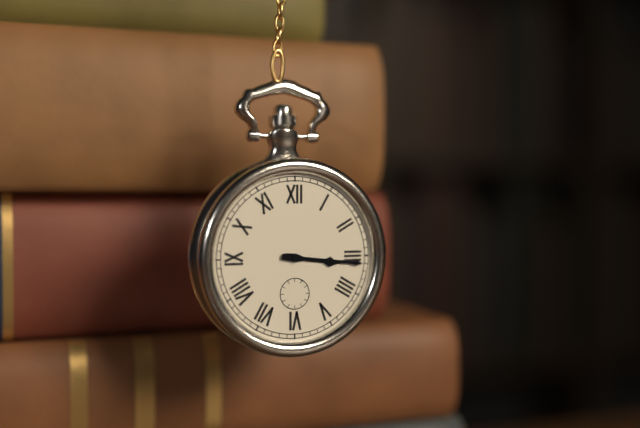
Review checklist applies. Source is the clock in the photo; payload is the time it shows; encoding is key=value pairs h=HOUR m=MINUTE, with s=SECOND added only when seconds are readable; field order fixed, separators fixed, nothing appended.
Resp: h=3 m=16
